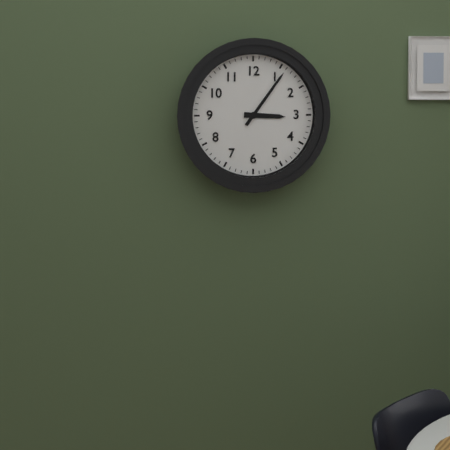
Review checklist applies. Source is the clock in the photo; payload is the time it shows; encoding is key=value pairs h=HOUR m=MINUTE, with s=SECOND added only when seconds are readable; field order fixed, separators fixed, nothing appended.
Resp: h=3 m=6
